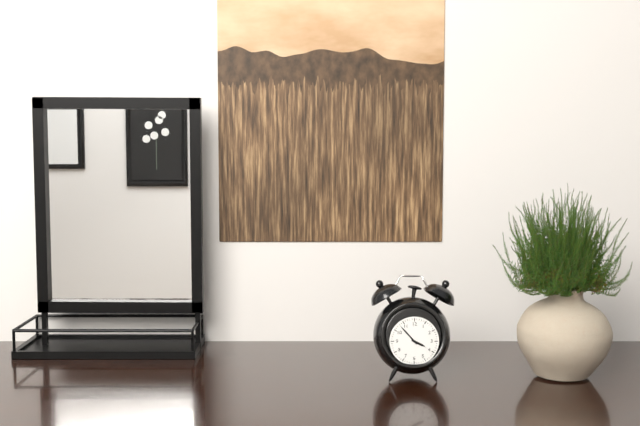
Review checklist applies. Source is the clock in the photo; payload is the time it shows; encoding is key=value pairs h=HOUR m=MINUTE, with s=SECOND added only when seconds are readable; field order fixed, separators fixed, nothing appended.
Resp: h=3 m=53
